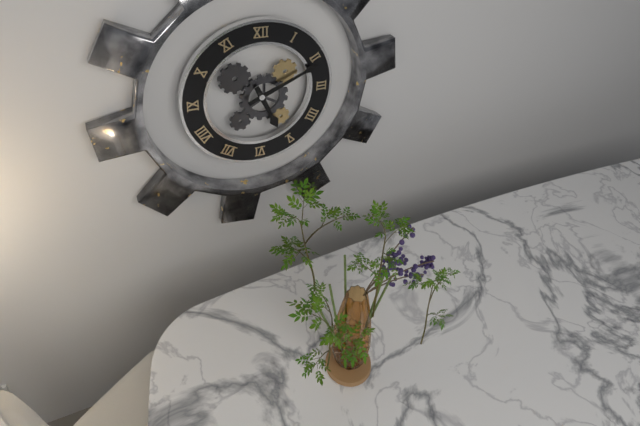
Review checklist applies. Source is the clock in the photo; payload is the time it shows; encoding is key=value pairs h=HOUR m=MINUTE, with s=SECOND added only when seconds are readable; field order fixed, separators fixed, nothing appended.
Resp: h=5 m=11
